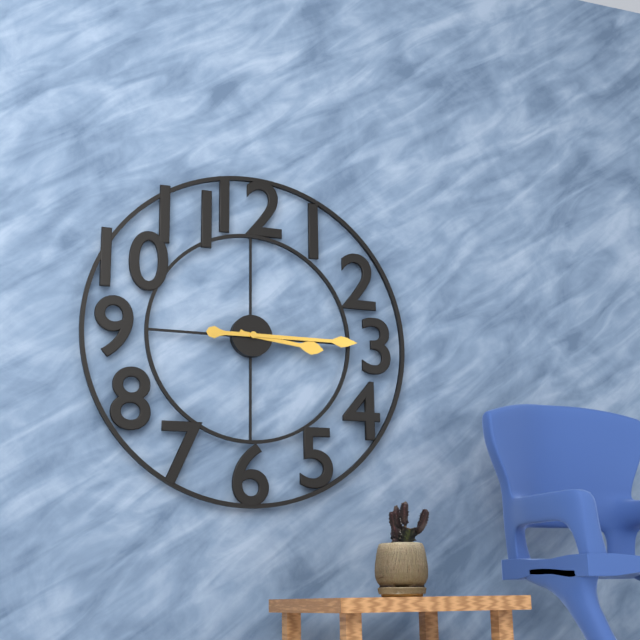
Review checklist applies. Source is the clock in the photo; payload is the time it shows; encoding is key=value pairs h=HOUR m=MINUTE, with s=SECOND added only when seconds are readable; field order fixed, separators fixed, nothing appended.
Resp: h=3 m=15
